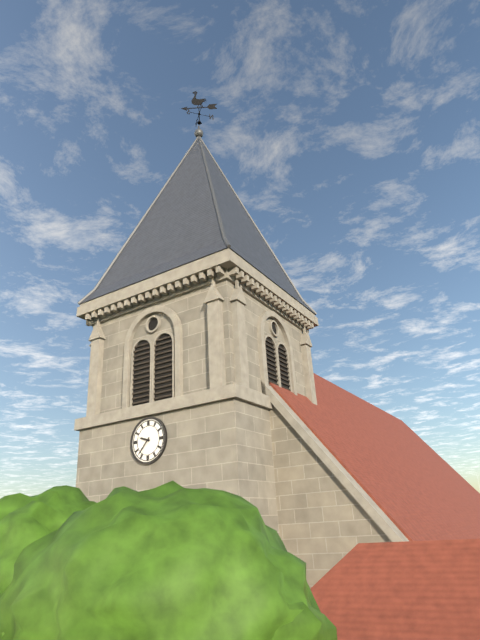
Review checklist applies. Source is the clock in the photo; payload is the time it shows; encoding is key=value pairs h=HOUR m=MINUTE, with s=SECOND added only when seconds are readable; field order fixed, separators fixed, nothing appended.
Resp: h=9 m=37
